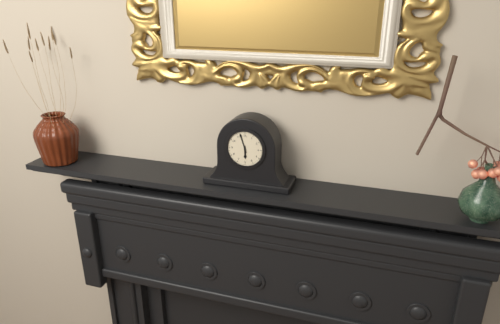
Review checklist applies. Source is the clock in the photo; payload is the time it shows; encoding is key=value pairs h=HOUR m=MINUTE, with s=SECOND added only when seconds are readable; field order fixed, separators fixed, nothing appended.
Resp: h=5 m=57
